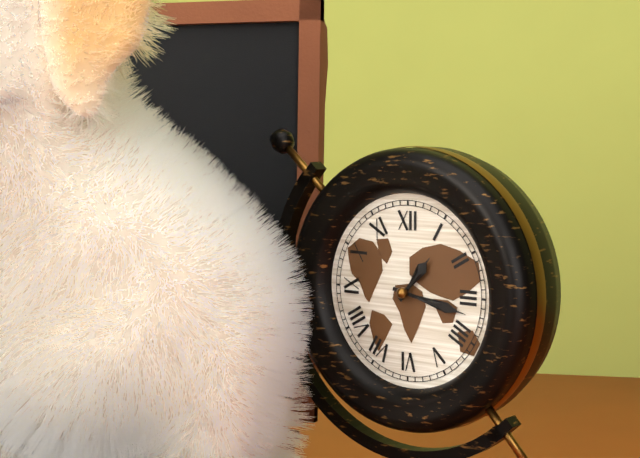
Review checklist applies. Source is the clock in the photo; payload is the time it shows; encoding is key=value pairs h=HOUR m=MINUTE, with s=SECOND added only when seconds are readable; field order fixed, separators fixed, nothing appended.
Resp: h=1 m=17
